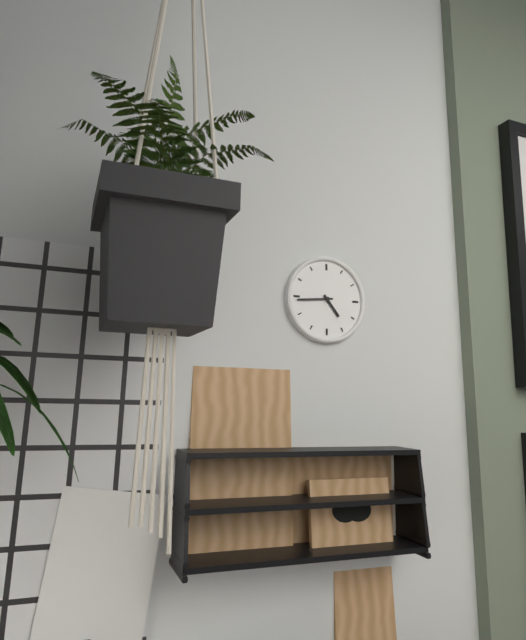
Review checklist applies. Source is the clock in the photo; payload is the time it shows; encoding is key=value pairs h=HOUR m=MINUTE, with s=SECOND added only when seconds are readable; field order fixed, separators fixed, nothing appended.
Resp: h=4 m=44
